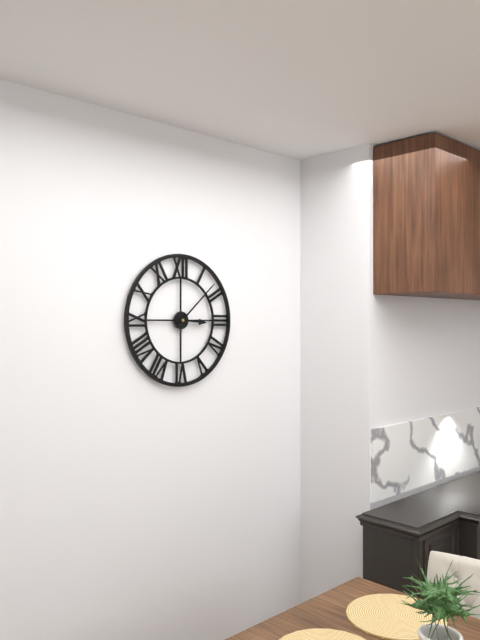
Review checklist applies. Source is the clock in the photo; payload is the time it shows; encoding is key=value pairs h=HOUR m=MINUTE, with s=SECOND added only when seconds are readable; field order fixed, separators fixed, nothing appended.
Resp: h=3 m=8
